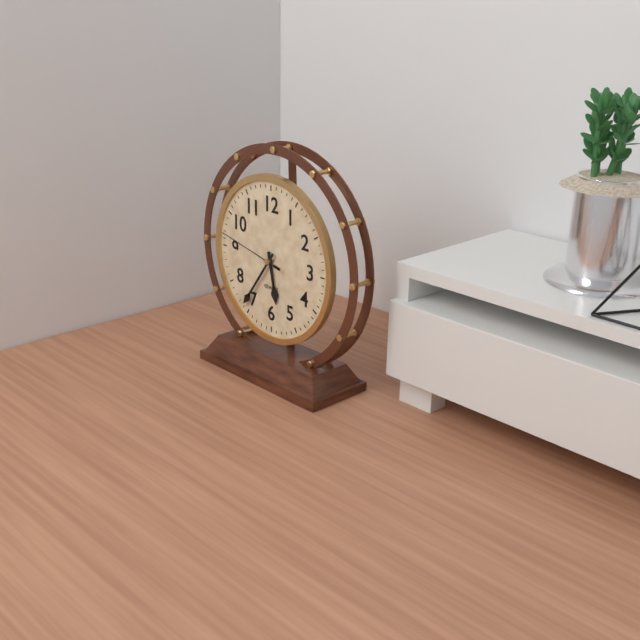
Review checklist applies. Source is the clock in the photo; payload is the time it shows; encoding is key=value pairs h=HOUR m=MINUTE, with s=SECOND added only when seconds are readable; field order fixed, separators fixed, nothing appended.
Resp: h=5 m=36 s=47
